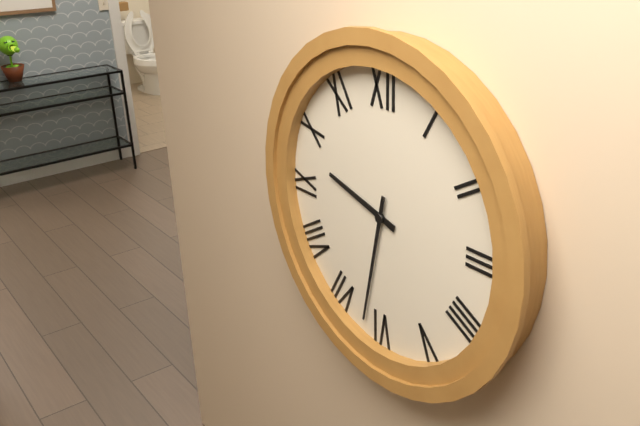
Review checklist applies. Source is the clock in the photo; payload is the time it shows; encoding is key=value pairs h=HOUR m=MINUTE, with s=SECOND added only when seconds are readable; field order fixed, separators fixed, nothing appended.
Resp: h=9 m=32
